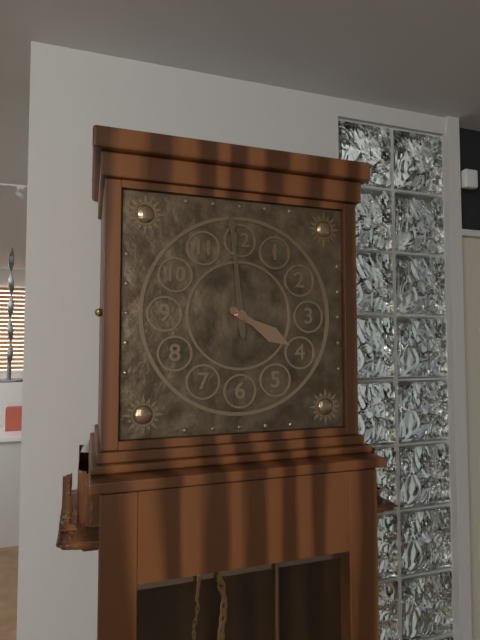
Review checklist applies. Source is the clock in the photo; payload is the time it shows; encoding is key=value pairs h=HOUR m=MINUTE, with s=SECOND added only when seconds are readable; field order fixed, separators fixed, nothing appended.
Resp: h=3 m=59
